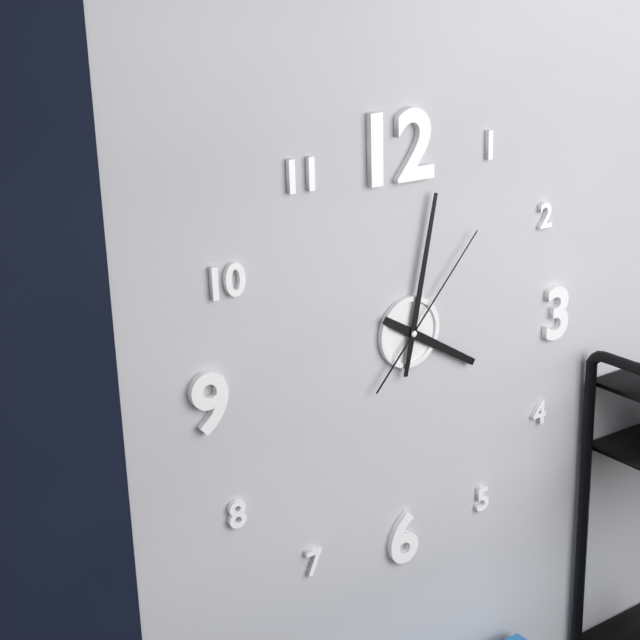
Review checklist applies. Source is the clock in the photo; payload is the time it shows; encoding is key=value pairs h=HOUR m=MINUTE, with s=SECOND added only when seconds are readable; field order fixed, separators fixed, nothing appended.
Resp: h=4 m=2 s=7
